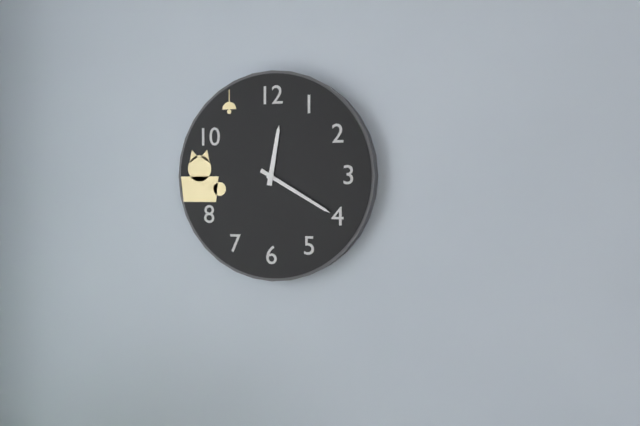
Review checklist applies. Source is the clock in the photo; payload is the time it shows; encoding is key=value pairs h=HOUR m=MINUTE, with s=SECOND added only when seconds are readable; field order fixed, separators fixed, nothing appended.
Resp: h=12 m=20
